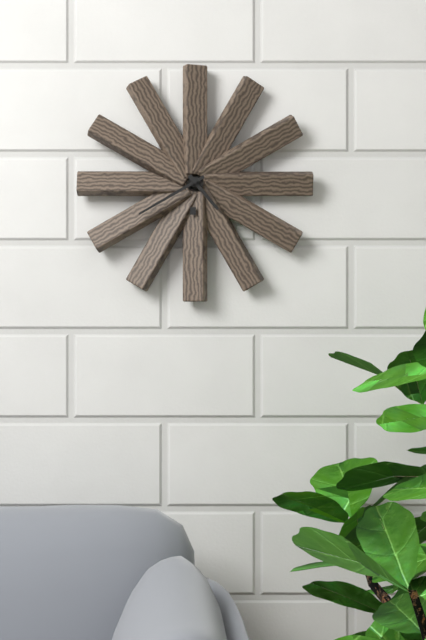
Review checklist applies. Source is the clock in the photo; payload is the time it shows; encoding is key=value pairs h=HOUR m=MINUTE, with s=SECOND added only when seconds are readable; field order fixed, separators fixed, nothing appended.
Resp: h=4 m=40
